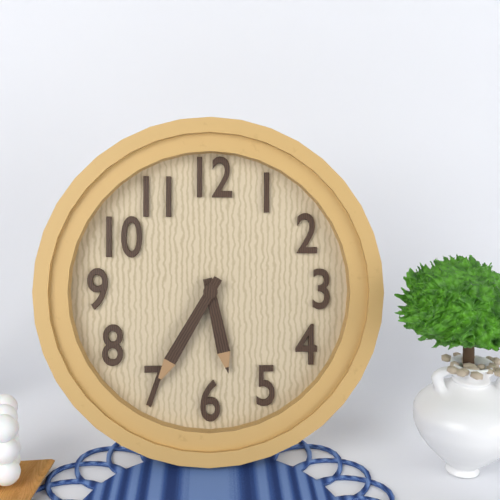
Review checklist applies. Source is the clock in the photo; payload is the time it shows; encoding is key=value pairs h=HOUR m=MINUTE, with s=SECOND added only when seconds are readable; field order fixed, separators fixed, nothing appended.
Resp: h=5 m=35
